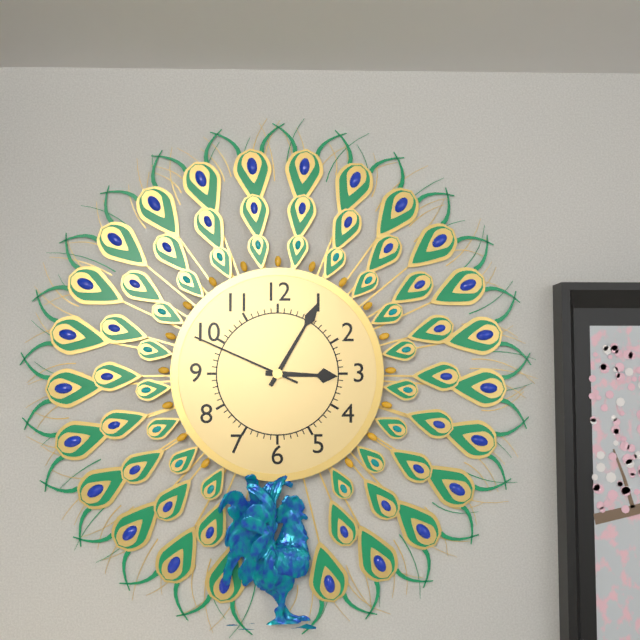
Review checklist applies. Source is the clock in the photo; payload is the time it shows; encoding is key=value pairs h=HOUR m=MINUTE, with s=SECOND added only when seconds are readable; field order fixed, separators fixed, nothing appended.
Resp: h=3 m=5 s=49
